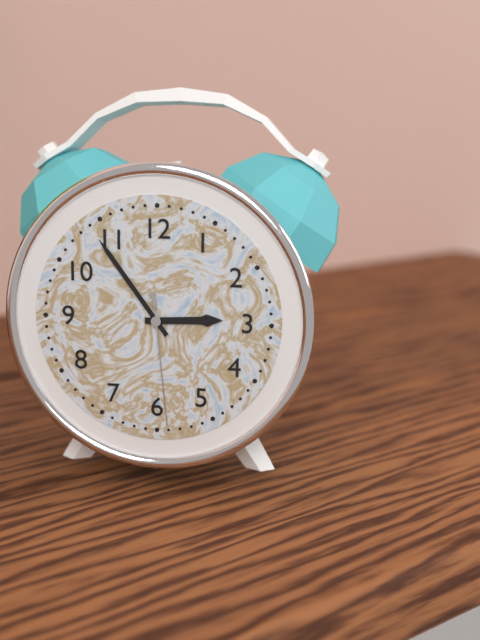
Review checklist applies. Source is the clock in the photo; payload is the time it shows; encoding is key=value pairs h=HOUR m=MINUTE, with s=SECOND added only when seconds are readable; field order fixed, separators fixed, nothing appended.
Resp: h=2 m=54 s=29
